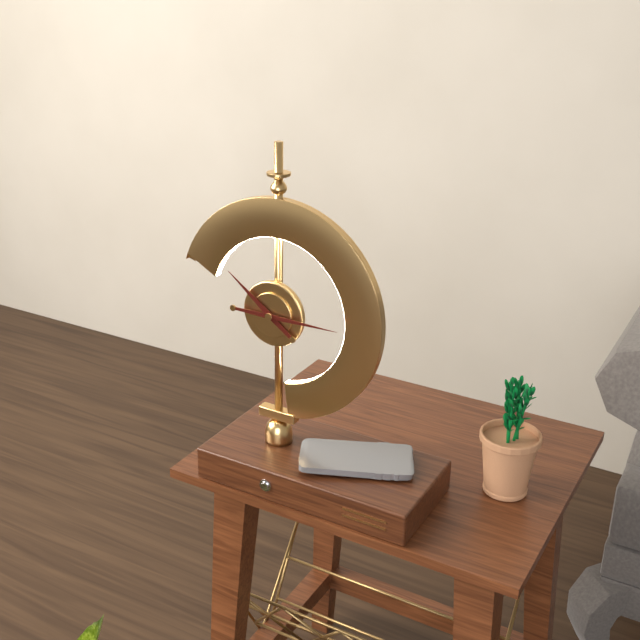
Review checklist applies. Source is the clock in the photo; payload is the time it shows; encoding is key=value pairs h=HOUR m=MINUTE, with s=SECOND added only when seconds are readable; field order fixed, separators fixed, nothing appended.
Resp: h=10 m=15
